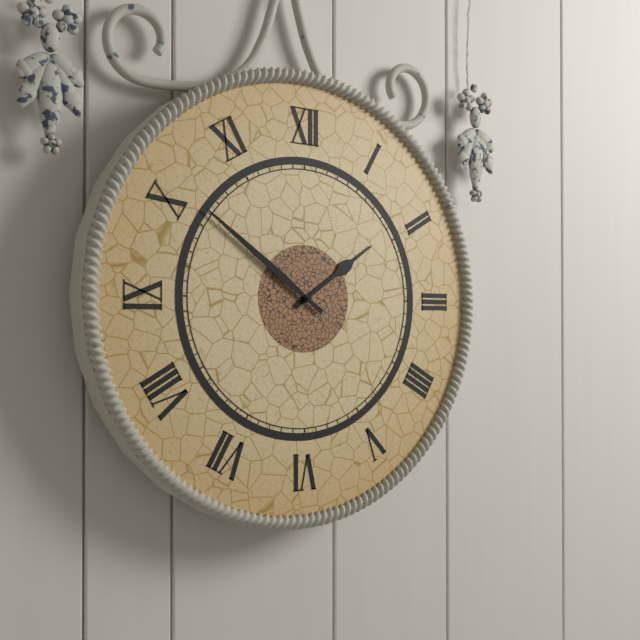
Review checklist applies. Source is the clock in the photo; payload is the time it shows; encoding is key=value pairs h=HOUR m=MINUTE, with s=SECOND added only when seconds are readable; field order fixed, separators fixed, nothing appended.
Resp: h=1 m=51
